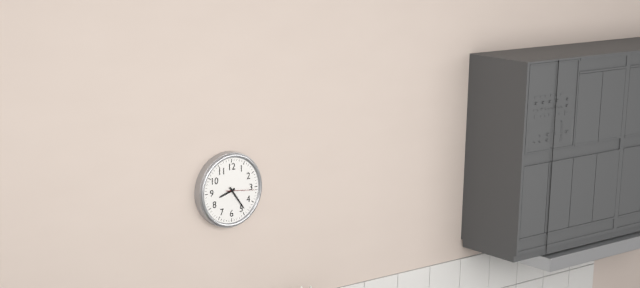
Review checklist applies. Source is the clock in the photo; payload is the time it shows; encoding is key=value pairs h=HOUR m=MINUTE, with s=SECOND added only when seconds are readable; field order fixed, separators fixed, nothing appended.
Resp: h=8 m=24
